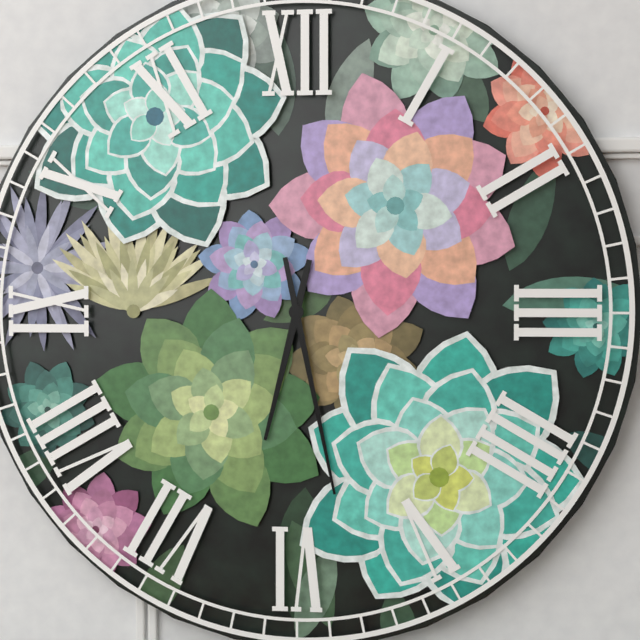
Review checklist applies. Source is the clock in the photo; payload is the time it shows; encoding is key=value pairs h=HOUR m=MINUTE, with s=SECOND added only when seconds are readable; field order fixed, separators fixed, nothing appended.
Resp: h=6 m=28
